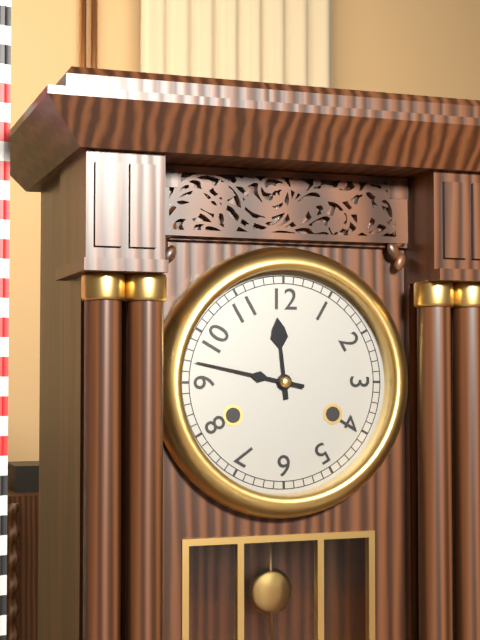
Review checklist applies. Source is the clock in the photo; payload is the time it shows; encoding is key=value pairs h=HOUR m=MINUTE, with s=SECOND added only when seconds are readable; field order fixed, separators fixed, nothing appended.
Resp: h=11 m=47
